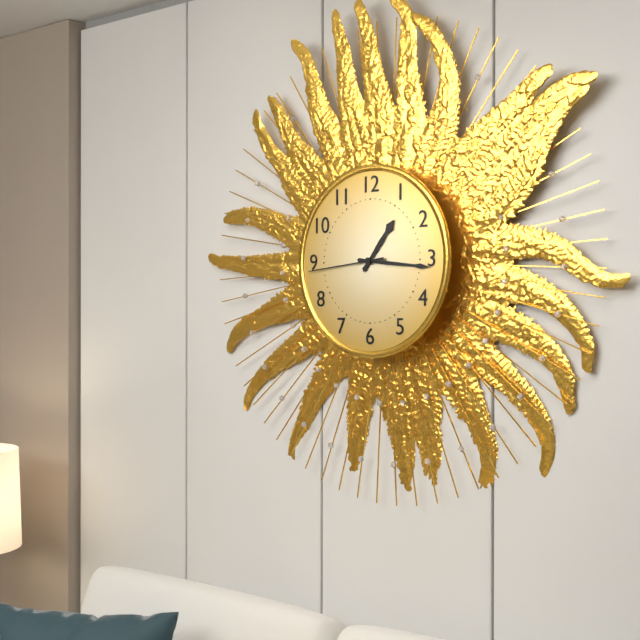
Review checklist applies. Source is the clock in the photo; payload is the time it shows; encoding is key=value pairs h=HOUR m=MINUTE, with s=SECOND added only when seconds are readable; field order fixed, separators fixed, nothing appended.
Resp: h=1 m=16 s=44
